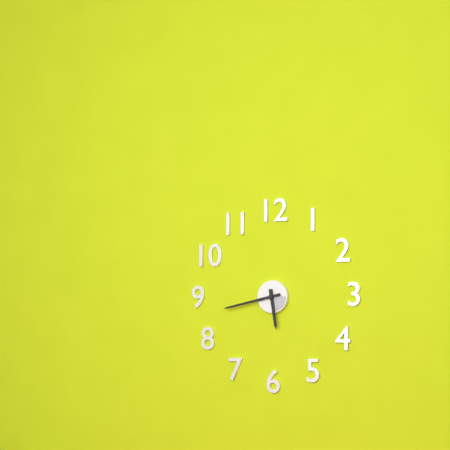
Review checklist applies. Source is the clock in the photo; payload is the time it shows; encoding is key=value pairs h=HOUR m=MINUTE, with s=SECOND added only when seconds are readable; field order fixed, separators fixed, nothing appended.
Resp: h=5 m=43
